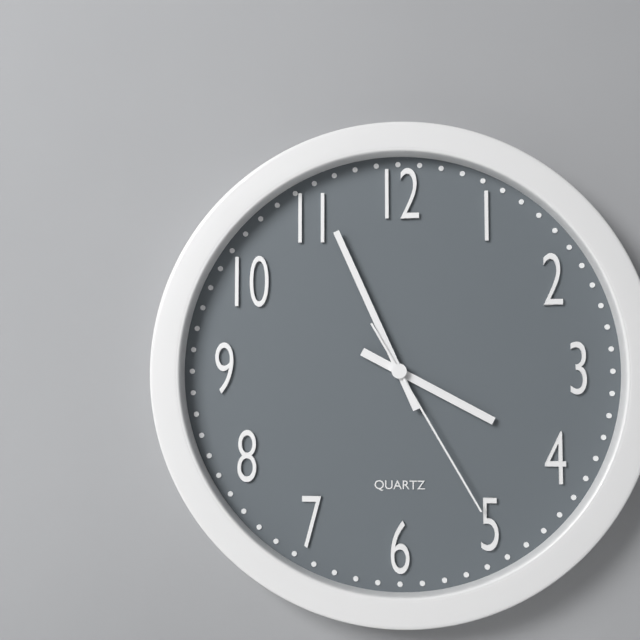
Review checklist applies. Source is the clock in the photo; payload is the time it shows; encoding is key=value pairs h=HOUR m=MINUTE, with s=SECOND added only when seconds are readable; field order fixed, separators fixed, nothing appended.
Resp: h=3 m=56 s=25
